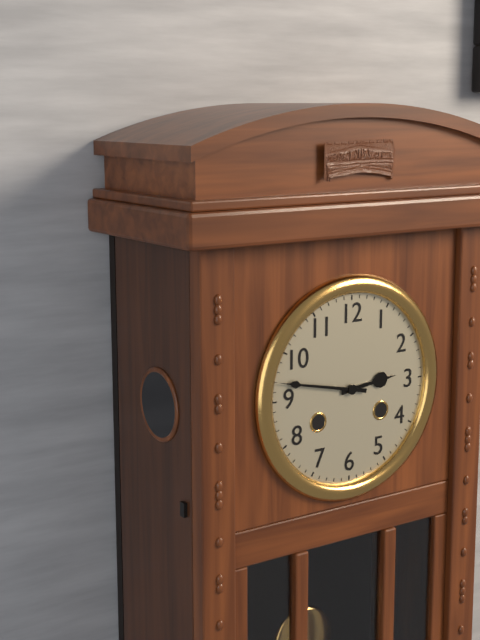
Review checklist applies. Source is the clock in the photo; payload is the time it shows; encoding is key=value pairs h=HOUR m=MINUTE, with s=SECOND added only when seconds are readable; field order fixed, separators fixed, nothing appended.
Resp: h=2 m=47
